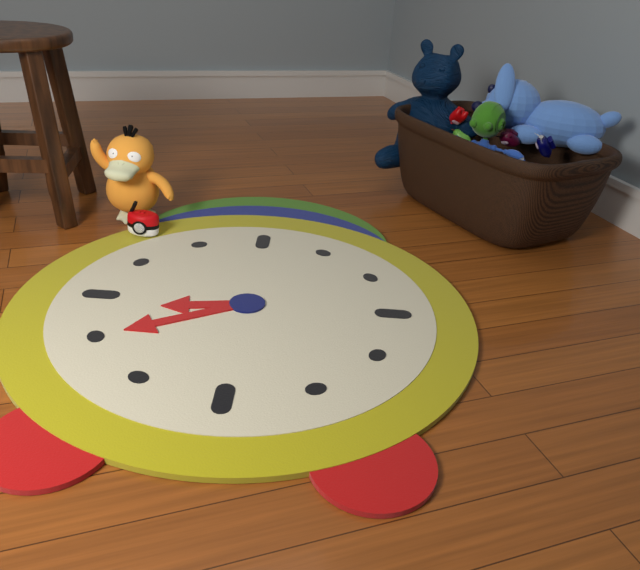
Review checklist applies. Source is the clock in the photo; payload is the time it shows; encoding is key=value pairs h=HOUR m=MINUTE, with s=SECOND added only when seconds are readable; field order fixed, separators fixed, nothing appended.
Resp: h=8 m=40
